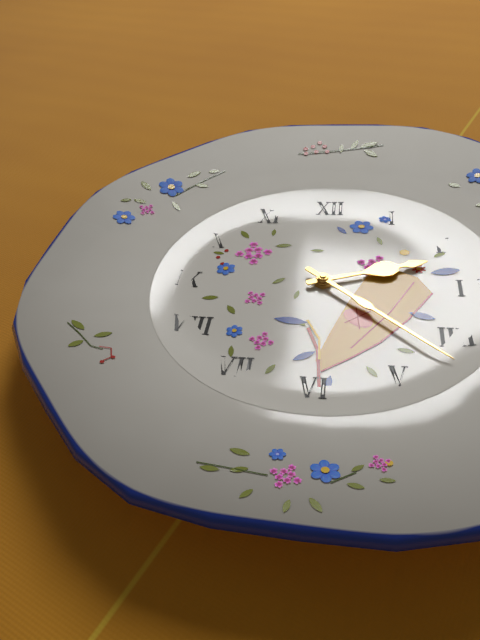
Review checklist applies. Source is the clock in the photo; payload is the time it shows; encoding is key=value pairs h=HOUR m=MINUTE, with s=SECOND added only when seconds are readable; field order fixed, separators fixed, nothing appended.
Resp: h=2 m=22
